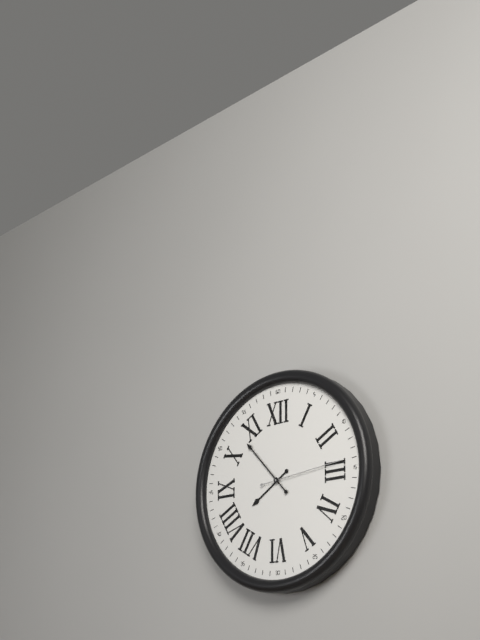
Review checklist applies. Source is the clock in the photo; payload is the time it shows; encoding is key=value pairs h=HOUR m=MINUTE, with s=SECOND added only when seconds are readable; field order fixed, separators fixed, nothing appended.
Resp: h=7 m=53 s=14
